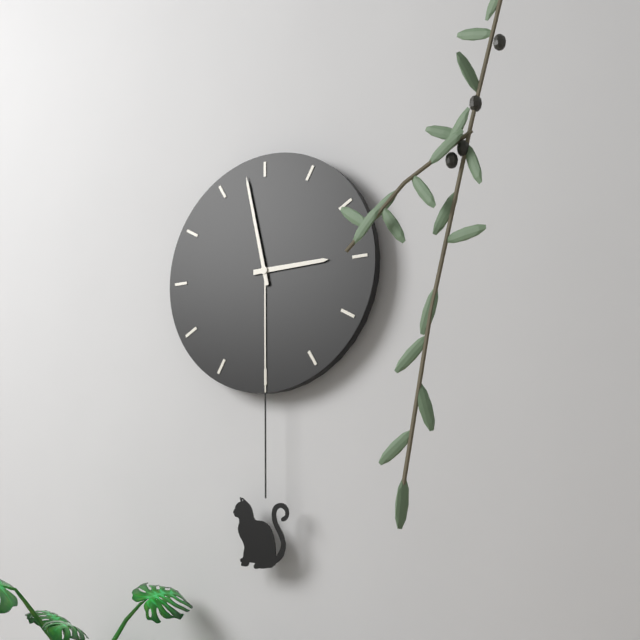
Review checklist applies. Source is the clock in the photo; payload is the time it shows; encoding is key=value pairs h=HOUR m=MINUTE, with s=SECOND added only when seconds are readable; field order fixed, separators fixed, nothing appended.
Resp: h=2 m=58
